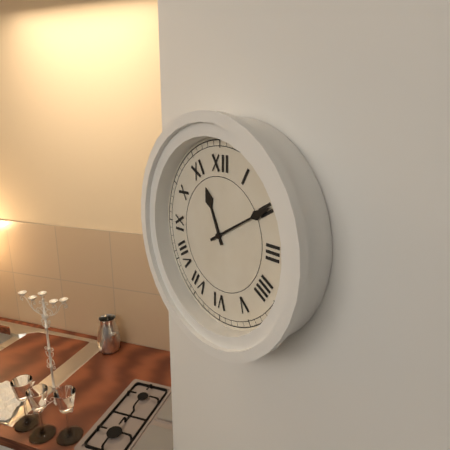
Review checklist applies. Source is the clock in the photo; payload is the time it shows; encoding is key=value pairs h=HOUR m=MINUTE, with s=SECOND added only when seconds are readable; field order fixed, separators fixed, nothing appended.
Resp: h=11 m=10
